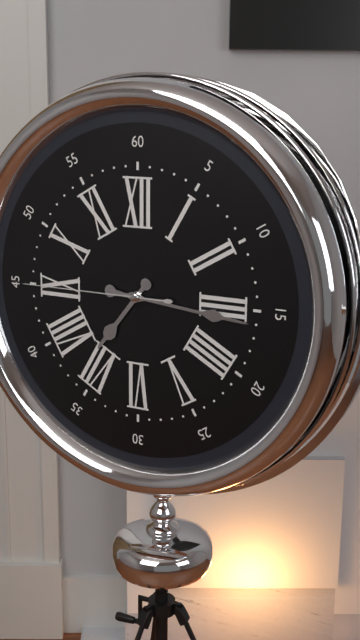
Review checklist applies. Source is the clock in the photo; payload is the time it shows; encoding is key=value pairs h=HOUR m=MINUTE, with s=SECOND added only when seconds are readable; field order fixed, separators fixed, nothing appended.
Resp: h=7 m=16 s=45
